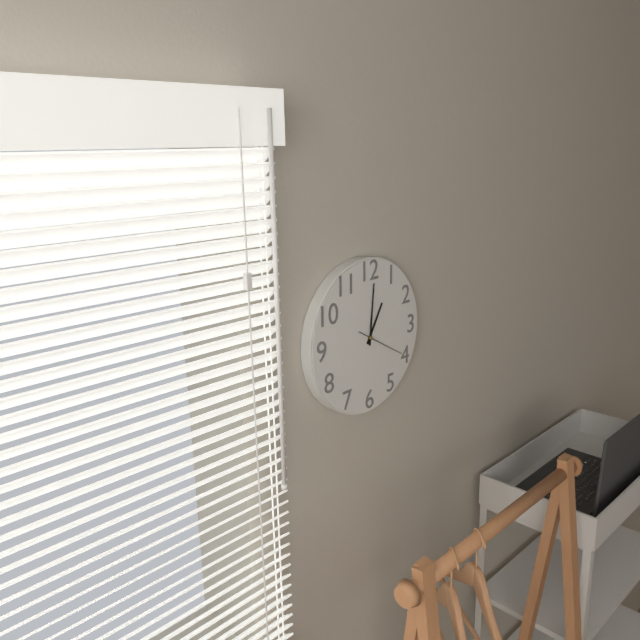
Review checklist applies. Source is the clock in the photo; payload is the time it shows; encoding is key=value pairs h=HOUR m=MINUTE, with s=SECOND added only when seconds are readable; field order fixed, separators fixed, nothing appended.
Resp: h=1 m=1
